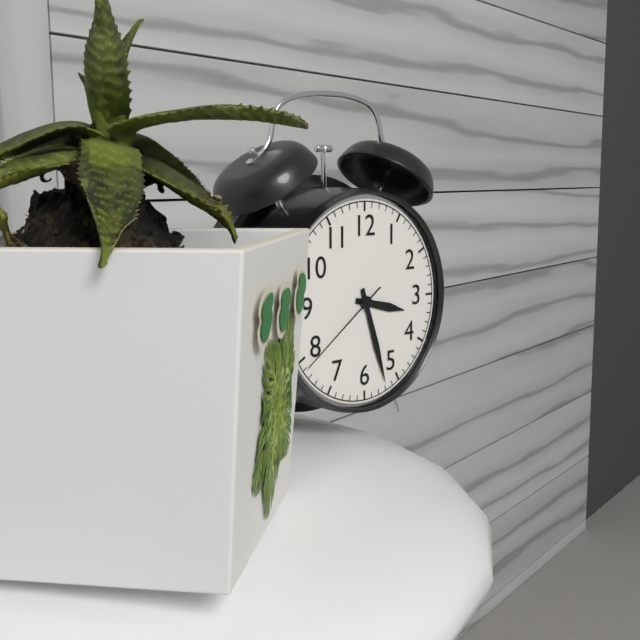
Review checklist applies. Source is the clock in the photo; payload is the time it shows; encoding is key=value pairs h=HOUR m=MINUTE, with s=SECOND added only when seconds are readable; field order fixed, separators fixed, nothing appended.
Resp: h=3 m=27 s=39
